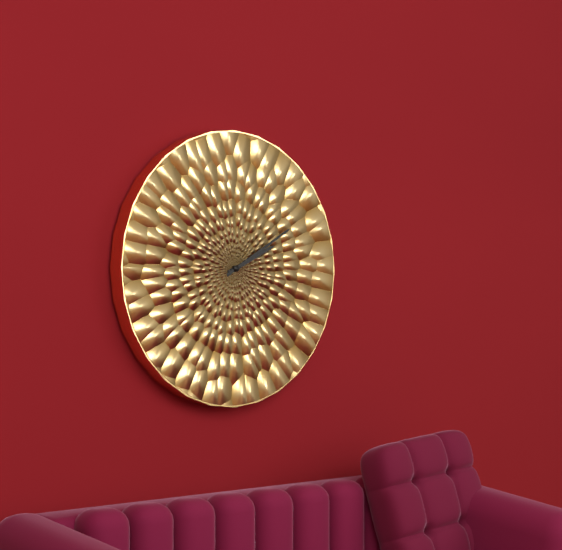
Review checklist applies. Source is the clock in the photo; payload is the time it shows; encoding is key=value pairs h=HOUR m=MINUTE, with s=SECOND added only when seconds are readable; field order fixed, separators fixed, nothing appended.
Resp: h=2 m=10
